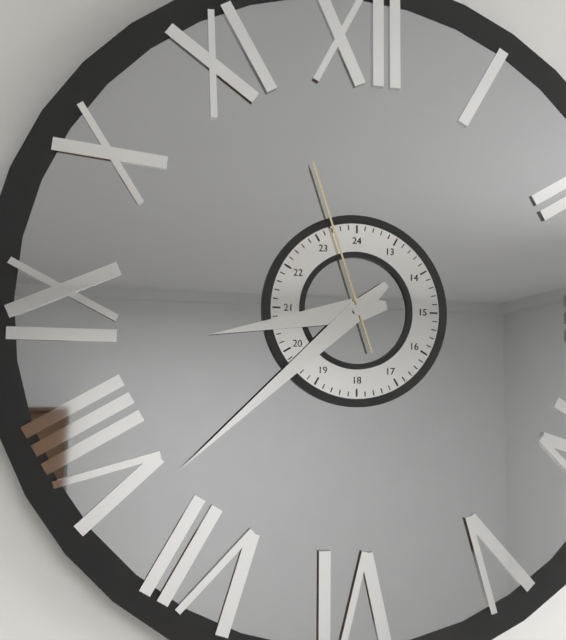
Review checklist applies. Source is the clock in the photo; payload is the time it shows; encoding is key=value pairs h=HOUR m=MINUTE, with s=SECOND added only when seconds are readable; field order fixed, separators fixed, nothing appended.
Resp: h=8 m=38 s=57
